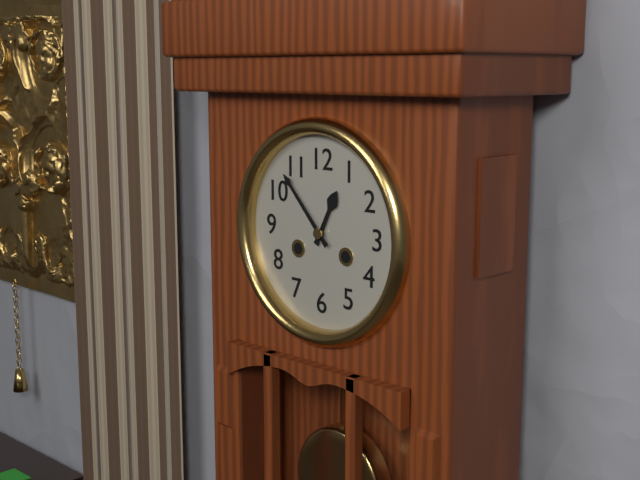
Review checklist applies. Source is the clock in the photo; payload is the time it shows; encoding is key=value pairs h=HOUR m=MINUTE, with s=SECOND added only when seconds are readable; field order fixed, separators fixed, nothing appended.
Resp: h=12 m=53
